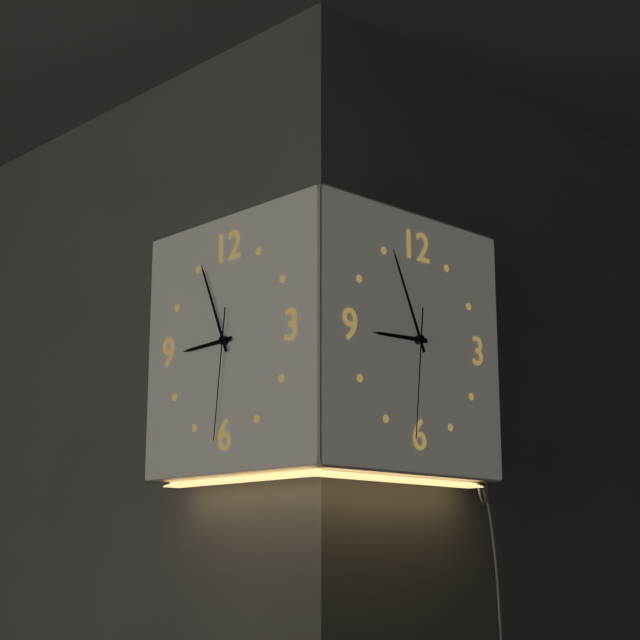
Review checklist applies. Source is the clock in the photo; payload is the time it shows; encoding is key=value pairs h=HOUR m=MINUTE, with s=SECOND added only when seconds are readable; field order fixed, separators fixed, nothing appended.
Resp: h=8 m=56 s=31
